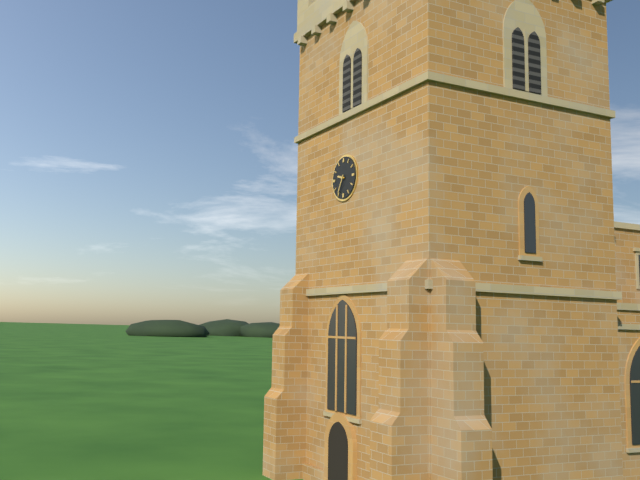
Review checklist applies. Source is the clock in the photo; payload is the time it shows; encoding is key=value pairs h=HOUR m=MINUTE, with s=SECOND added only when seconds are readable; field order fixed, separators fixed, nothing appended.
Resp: h=9 m=35
